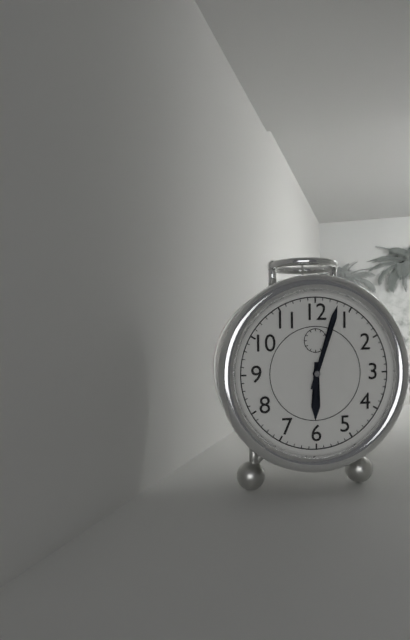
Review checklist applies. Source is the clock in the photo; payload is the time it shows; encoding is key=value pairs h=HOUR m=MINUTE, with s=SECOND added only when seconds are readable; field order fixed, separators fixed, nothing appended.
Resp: h=6 m=3
